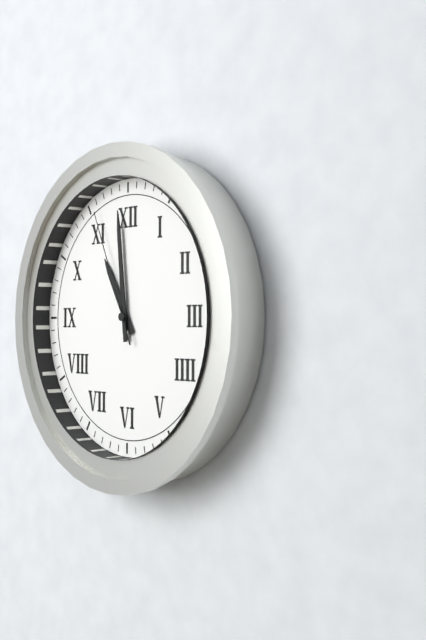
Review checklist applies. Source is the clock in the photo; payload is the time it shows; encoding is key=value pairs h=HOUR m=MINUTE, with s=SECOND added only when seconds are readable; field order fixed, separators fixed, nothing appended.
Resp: h=10 m=59 s=56
